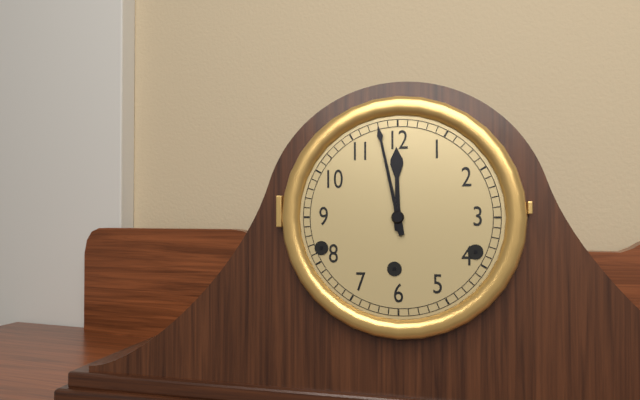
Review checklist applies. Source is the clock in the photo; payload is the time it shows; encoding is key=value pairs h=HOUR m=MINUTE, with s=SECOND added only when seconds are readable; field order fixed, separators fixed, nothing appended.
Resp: h=11 m=58
